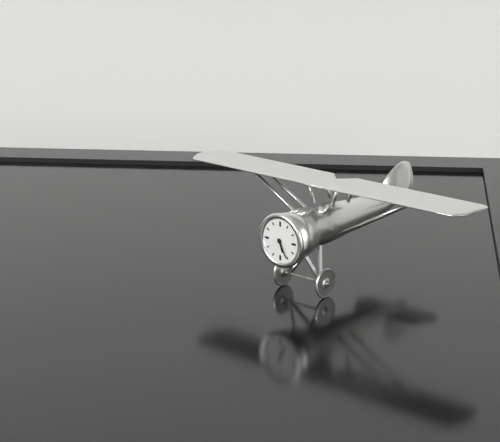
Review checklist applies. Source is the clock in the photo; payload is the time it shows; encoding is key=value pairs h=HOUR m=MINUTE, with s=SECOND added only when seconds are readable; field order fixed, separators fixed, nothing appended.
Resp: h=5 m=25
